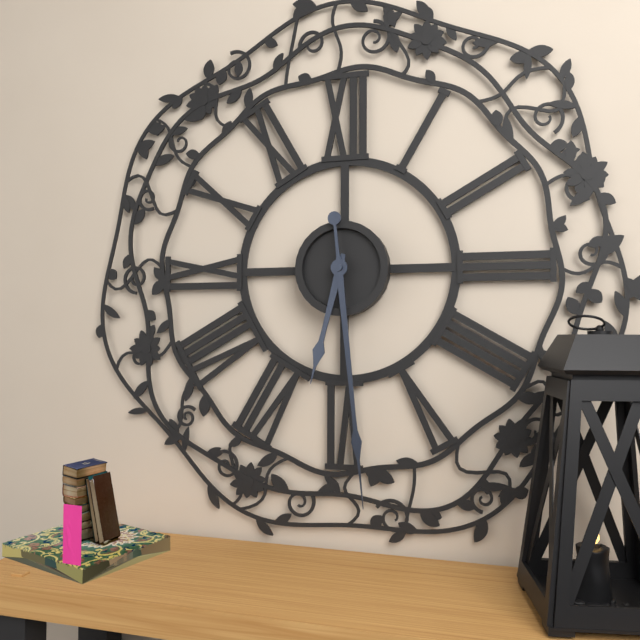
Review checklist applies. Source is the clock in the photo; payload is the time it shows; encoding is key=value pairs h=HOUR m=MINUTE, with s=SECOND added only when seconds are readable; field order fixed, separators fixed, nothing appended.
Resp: h=6 m=29
